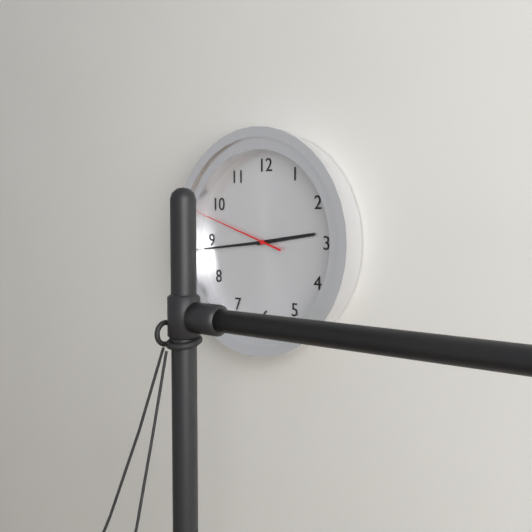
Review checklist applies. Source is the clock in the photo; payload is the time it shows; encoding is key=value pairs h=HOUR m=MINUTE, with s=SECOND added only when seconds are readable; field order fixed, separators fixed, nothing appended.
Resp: h=2 m=44 s=48
